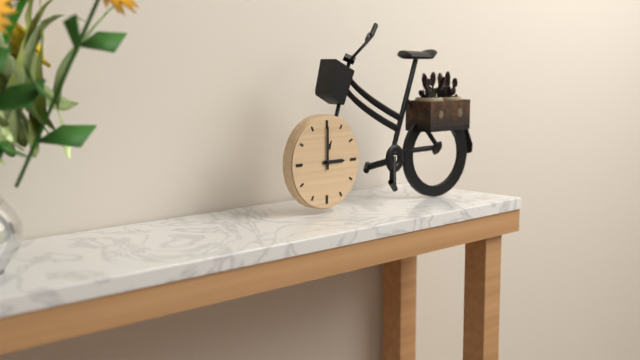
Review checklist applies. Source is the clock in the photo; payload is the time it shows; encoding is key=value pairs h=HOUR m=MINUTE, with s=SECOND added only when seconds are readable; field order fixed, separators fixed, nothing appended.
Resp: h=3 m=0
